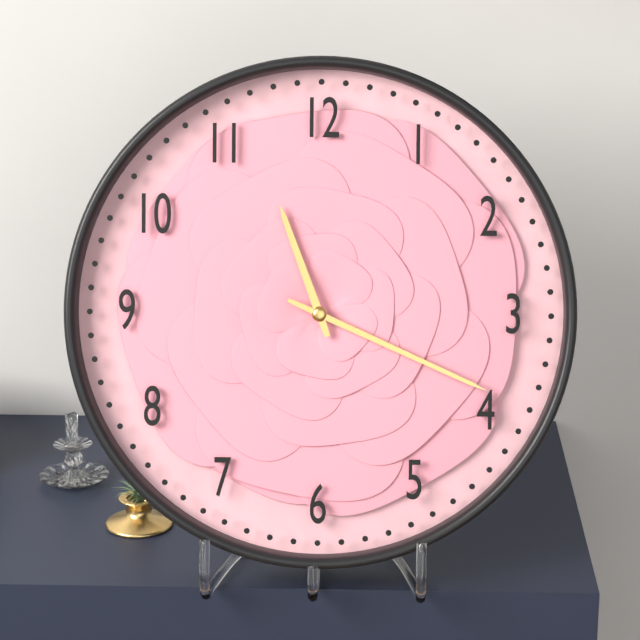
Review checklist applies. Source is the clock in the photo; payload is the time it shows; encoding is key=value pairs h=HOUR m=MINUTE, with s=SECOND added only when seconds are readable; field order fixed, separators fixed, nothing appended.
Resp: h=11 m=19
